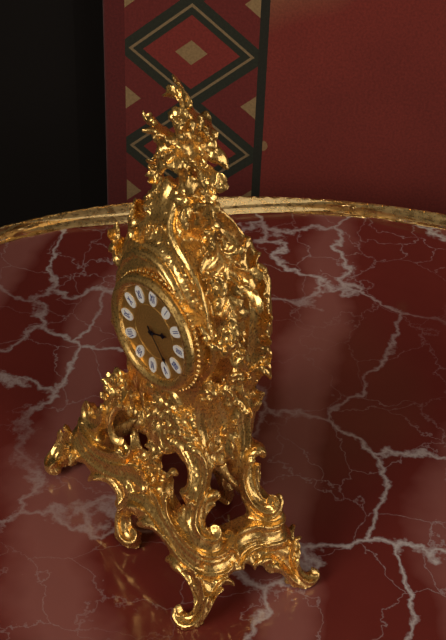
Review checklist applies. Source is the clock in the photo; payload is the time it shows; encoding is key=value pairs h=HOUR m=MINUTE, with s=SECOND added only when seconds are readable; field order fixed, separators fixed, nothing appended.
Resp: h=2 m=23
